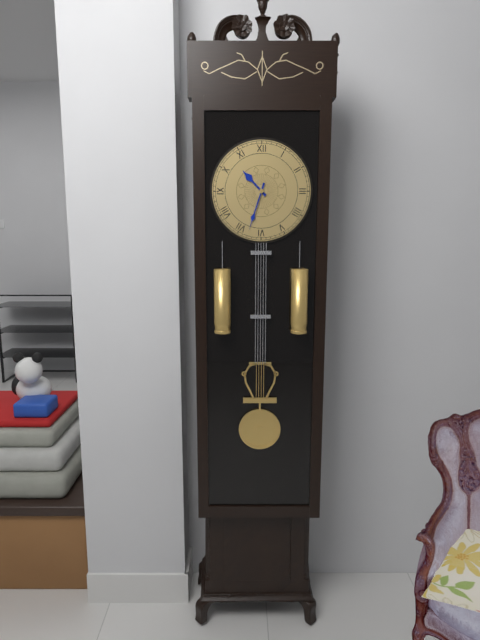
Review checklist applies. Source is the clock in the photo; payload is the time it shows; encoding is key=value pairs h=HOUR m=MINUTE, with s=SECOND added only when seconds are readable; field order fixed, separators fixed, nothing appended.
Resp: h=10 m=33
